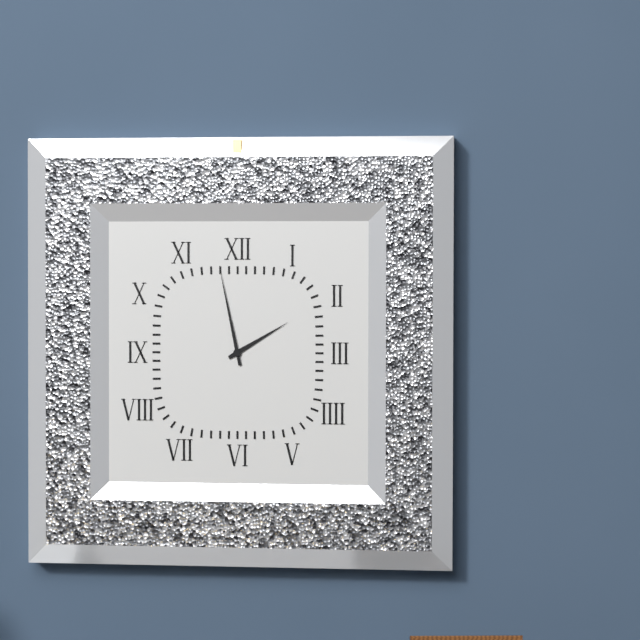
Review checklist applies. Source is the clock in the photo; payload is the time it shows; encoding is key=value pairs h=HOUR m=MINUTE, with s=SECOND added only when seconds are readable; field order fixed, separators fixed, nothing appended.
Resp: h=1 m=58
